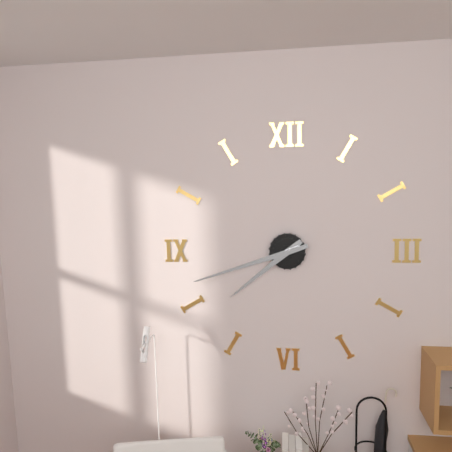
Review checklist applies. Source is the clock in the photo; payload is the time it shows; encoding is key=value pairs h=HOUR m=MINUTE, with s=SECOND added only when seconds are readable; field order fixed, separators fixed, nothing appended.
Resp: h=7 m=42
